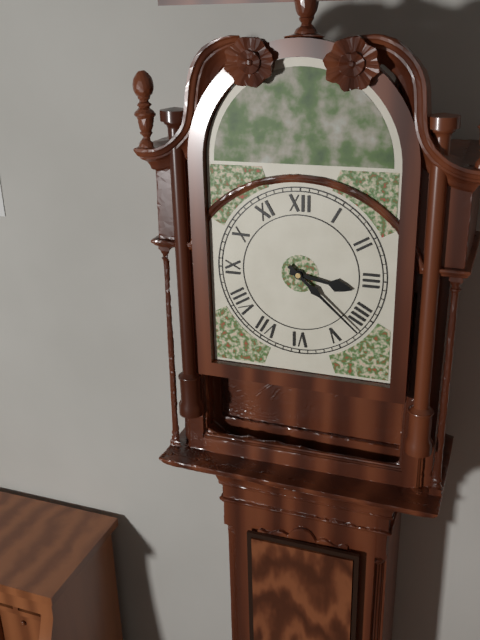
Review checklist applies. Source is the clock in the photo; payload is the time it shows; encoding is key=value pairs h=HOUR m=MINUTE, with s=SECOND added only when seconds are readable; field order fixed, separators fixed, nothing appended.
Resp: h=3 m=22
